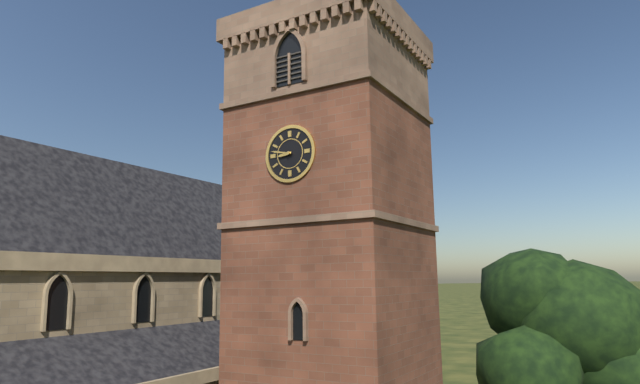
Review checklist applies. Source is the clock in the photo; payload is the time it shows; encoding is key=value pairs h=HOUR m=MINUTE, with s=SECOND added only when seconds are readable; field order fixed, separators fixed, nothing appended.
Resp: h=8 m=47
